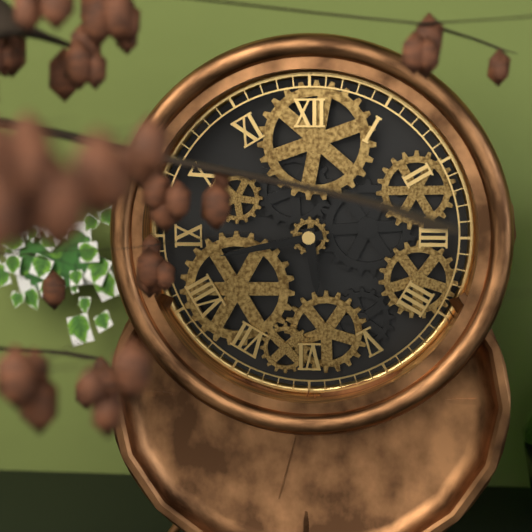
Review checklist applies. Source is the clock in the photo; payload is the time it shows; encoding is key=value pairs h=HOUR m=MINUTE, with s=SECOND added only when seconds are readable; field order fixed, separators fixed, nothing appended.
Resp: h=5 m=43
